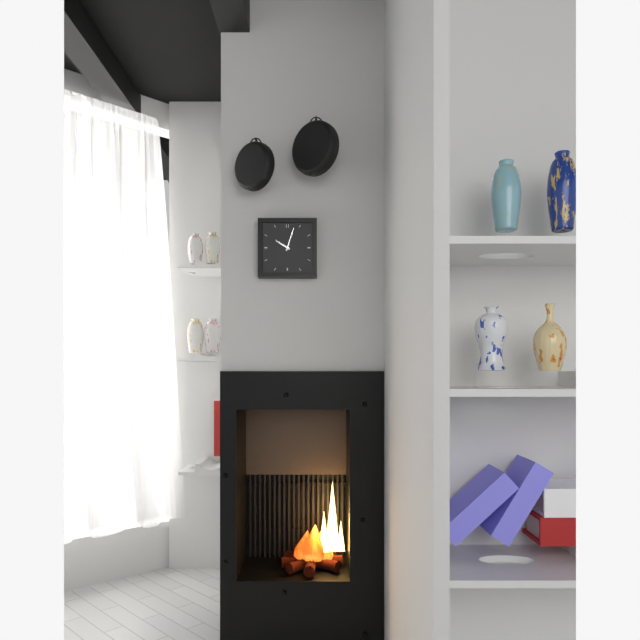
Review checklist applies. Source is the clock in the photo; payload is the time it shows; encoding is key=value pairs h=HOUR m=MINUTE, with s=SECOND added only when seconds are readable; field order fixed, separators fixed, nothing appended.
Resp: h=10 m=3
